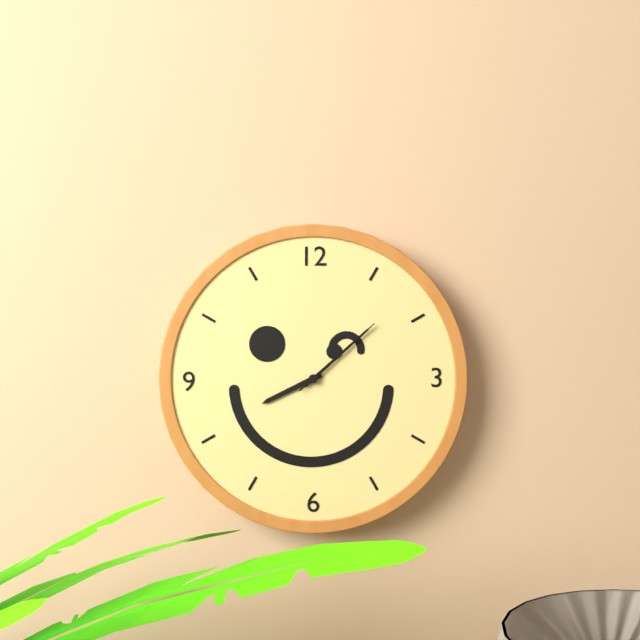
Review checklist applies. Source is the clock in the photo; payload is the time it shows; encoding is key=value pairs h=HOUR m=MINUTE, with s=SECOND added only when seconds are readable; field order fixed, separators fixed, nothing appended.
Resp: h=8 m=8 s=8
